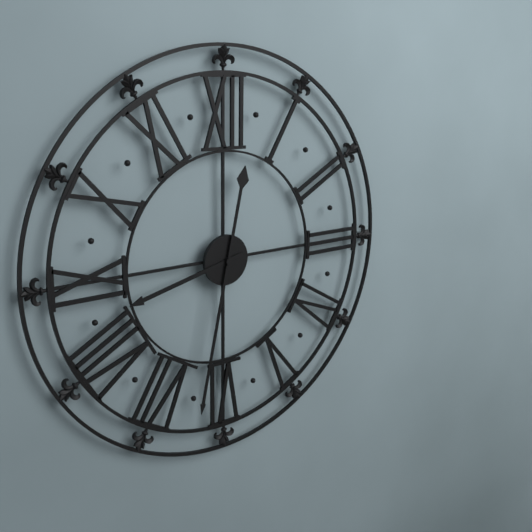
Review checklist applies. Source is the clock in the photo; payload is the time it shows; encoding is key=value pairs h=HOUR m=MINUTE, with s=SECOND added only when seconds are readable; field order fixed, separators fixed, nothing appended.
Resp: h=8 m=32
